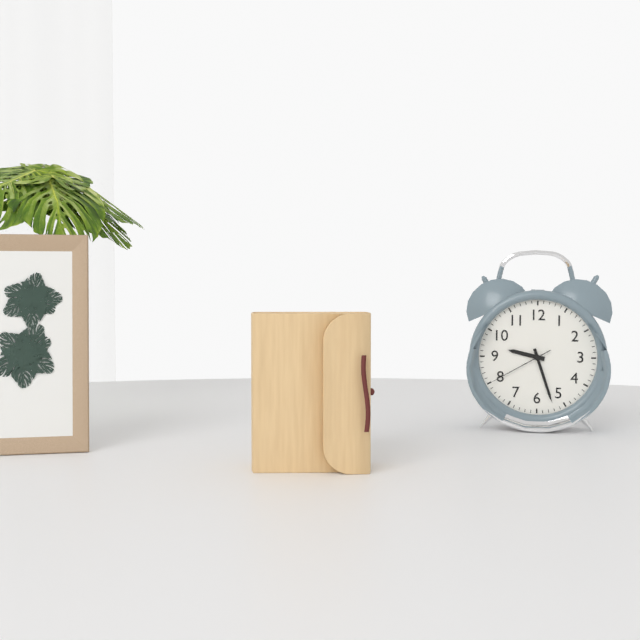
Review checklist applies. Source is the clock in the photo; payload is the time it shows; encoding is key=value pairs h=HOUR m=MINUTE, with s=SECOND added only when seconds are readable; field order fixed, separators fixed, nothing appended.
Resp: h=9 m=27 s=40
